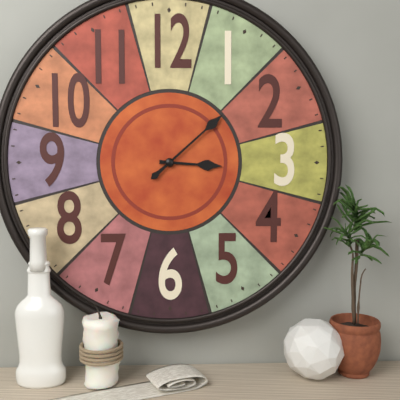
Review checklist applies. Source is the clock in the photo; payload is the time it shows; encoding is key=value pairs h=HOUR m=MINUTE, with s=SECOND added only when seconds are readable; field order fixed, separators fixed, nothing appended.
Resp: h=3 m=8
